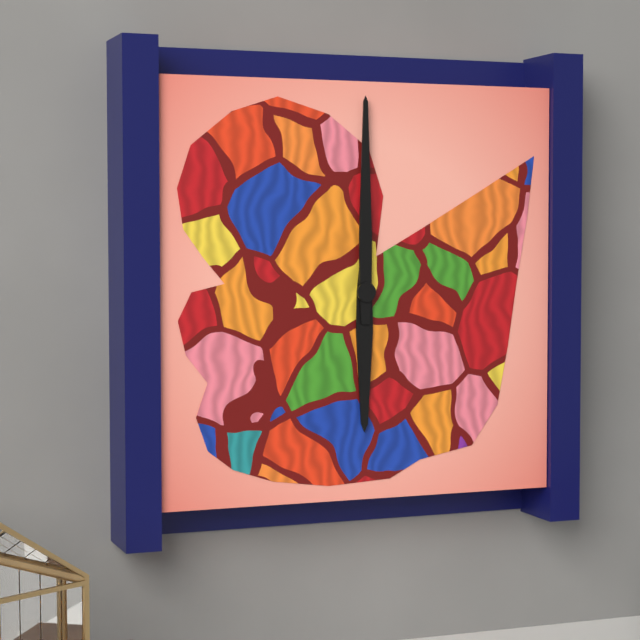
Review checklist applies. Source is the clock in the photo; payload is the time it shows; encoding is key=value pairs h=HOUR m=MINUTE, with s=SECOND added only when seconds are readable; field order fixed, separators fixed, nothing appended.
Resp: h=6 m=0
